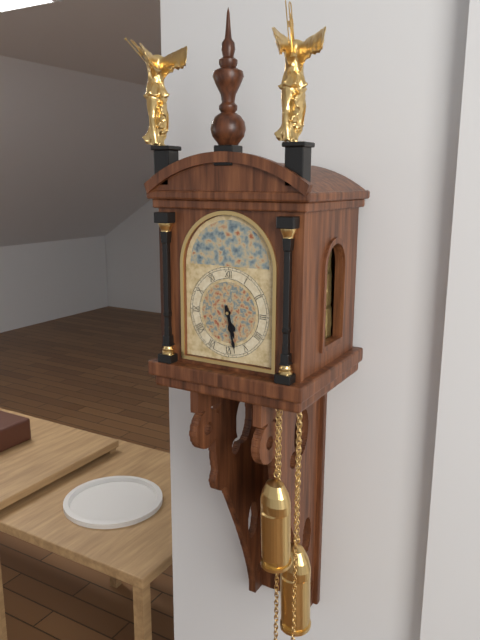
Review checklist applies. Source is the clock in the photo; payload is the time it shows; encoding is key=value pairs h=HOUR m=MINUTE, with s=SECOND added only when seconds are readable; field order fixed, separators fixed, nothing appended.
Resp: h=5 m=28
